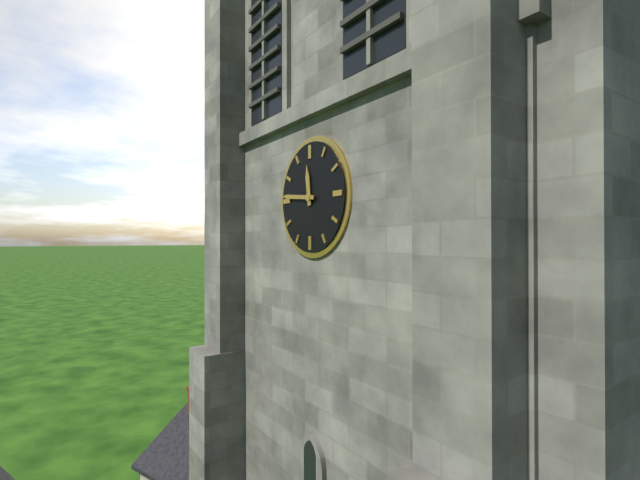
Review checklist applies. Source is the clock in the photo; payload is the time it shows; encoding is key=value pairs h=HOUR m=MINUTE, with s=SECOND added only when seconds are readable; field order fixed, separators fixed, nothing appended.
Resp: h=11 m=46
